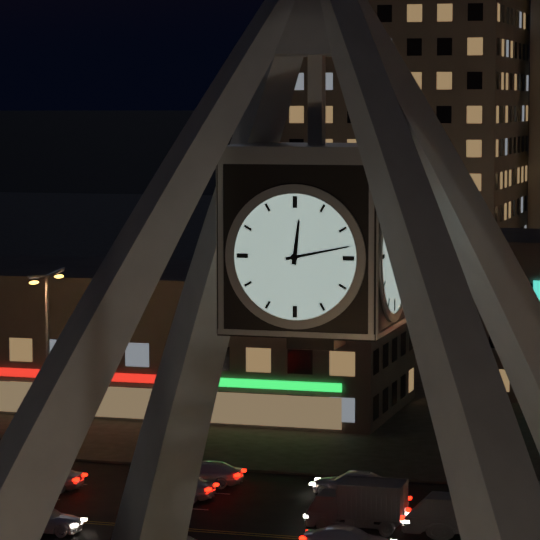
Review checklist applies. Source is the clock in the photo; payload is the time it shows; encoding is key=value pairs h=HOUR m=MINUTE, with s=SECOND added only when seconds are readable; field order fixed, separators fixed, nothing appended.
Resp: h=12 m=13
